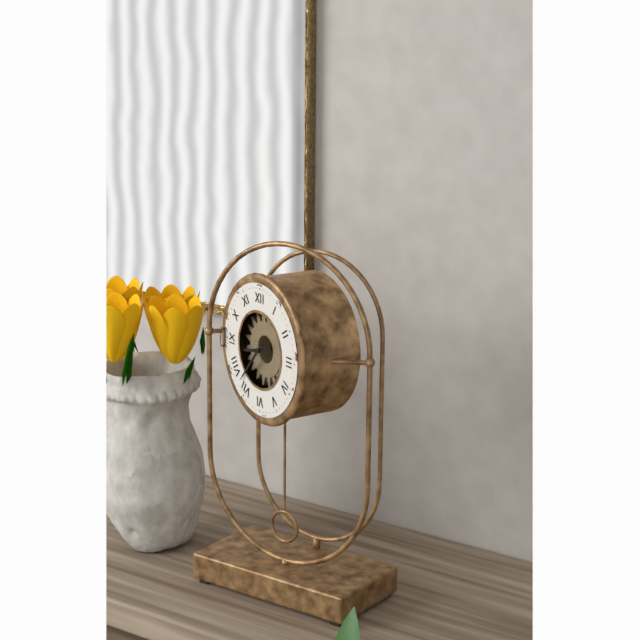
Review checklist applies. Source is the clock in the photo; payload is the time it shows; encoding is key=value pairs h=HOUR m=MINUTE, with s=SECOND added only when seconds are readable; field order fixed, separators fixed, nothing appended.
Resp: h=8 m=37
